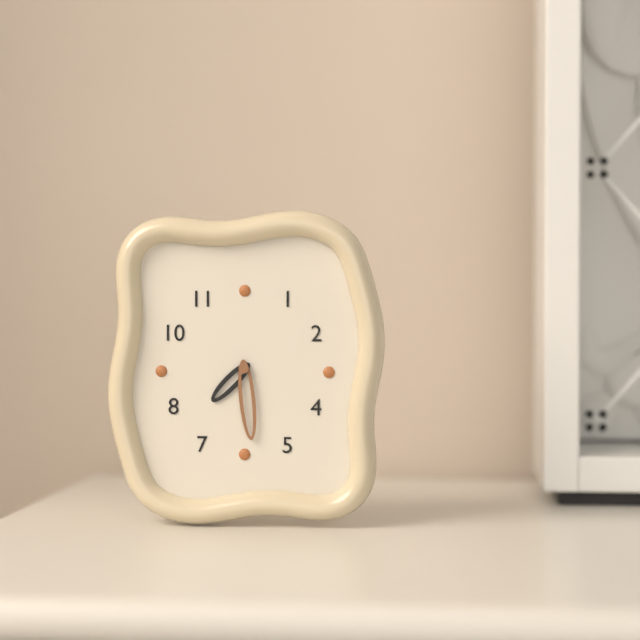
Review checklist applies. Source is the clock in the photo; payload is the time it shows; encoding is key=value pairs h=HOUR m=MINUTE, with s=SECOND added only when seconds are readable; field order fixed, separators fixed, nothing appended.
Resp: h=7 m=29
